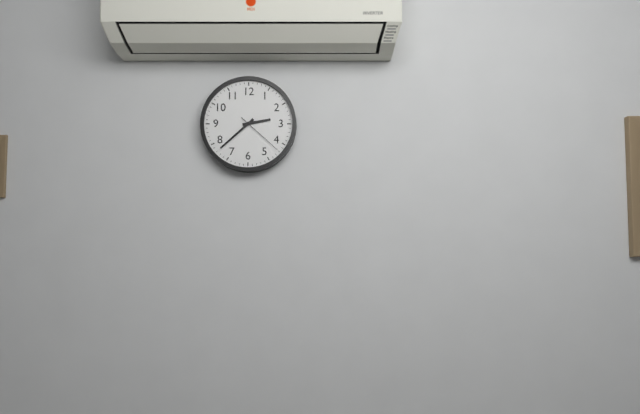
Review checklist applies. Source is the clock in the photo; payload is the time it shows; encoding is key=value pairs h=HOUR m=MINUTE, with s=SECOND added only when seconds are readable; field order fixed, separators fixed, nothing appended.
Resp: h=2 m=38
